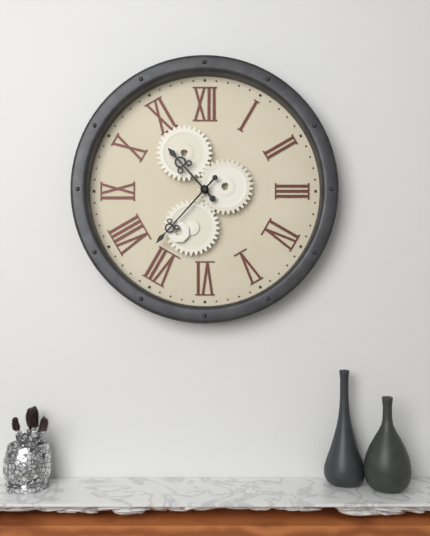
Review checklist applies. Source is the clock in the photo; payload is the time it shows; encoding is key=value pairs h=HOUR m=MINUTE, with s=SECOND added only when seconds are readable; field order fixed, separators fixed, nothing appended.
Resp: h=10 m=37
